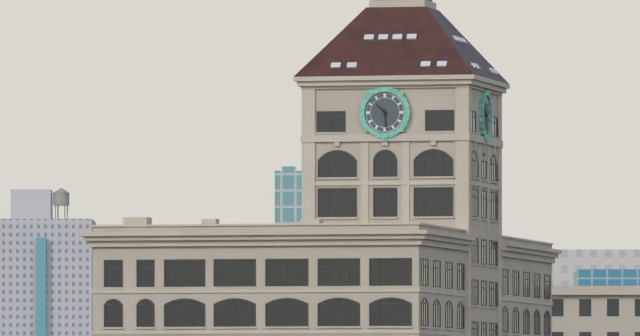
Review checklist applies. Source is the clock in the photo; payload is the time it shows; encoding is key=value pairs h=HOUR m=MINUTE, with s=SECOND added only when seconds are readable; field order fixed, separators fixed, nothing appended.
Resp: h=10 m=29
